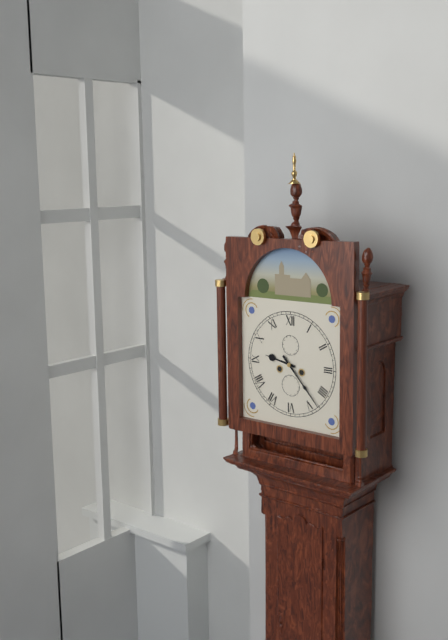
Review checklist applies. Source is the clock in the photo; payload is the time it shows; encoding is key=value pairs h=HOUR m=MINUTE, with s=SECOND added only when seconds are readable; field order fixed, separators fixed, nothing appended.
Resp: h=9 m=23
